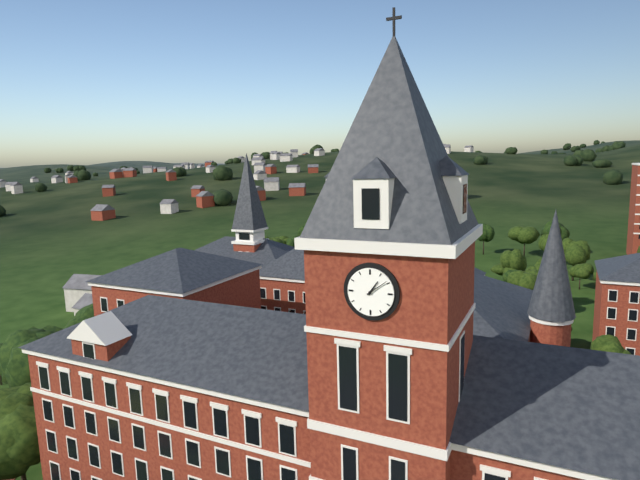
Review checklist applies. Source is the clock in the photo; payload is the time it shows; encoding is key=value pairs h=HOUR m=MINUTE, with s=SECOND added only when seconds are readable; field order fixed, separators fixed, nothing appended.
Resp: h=1 m=9
